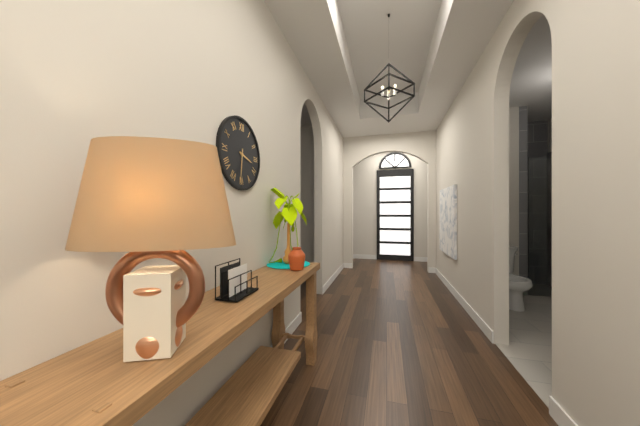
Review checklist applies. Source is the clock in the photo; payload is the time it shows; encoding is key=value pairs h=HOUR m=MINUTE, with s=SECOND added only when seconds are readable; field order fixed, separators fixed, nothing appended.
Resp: h=3 m=31
